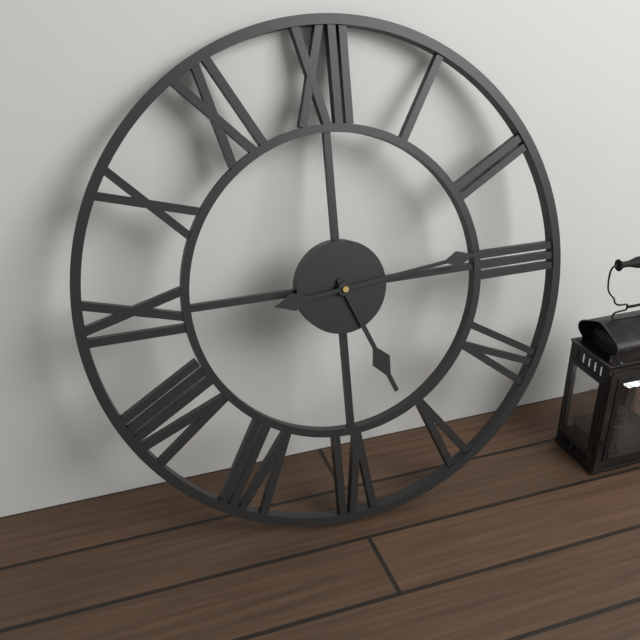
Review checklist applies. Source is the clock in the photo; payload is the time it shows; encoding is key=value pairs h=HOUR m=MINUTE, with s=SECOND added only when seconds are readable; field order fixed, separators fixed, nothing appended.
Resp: h=5 m=14
